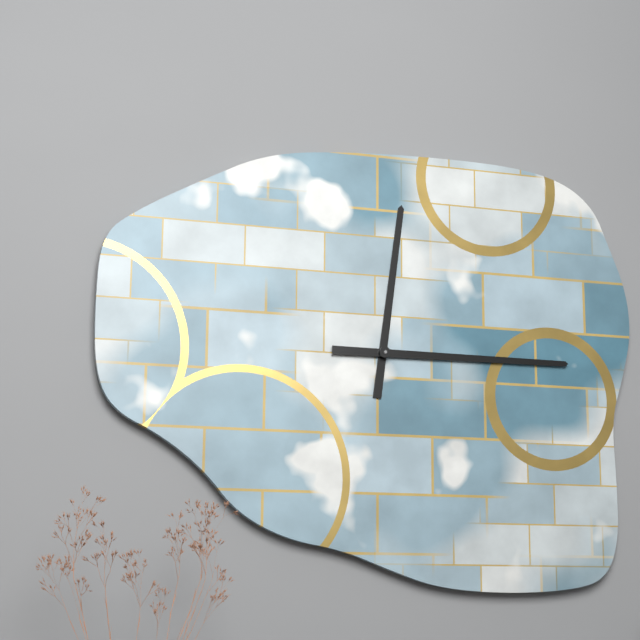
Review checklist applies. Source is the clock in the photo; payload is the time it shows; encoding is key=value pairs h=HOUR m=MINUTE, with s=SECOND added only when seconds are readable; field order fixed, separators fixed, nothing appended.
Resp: h=12 m=15
